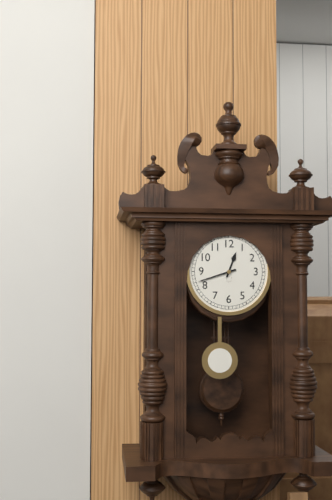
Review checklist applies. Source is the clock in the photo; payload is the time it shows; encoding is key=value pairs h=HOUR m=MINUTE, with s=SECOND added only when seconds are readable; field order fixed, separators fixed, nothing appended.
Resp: h=12 m=42
